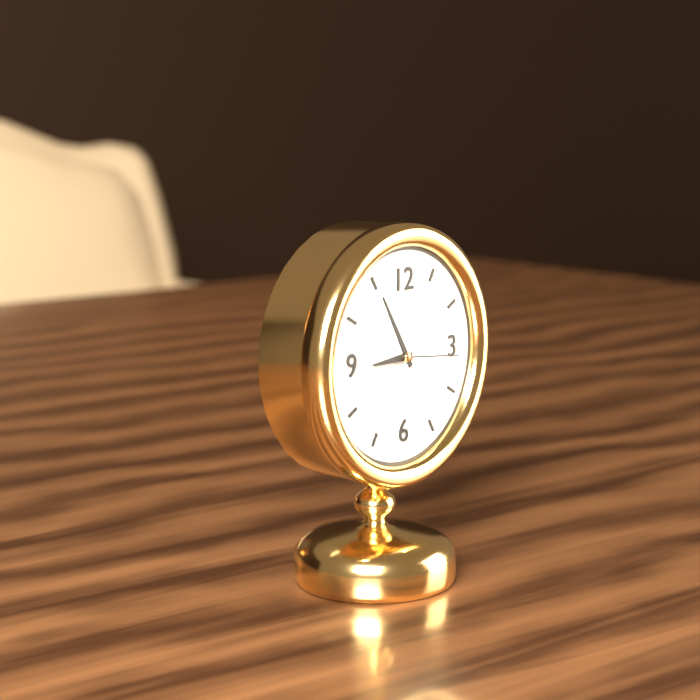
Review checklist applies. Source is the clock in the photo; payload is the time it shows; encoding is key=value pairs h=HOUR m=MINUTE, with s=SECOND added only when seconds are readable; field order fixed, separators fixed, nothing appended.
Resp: h=8 m=55 s=16
